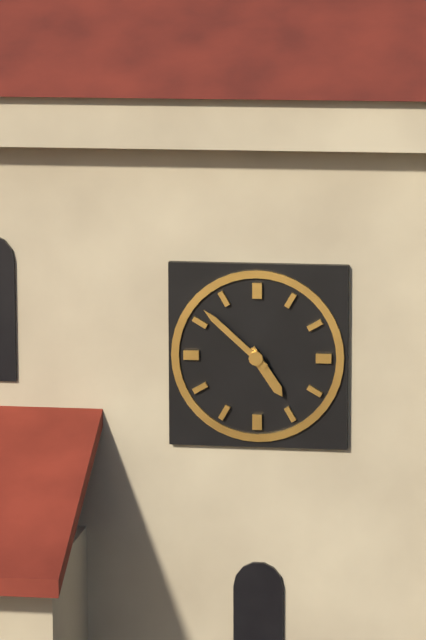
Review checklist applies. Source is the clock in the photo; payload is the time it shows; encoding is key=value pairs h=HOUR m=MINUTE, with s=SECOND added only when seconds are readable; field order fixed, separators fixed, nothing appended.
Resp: h=4 m=52
